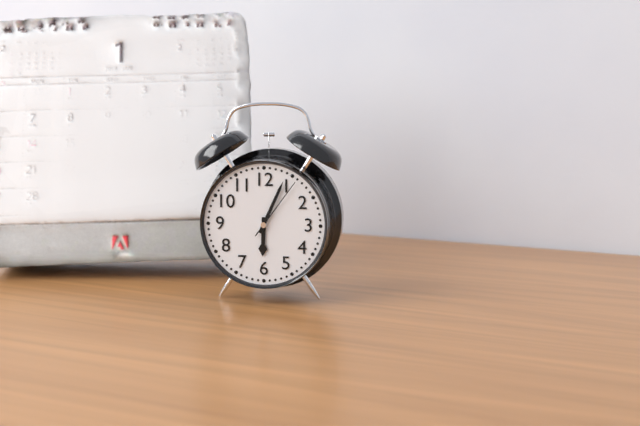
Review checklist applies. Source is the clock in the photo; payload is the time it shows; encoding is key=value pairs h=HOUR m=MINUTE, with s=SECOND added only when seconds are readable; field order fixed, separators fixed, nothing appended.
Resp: h=6 m=4 s=6
